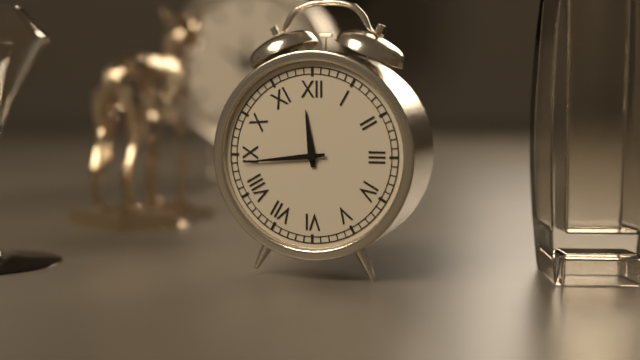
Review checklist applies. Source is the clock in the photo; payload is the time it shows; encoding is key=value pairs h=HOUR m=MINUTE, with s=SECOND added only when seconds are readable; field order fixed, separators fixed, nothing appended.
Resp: h=11 m=44
